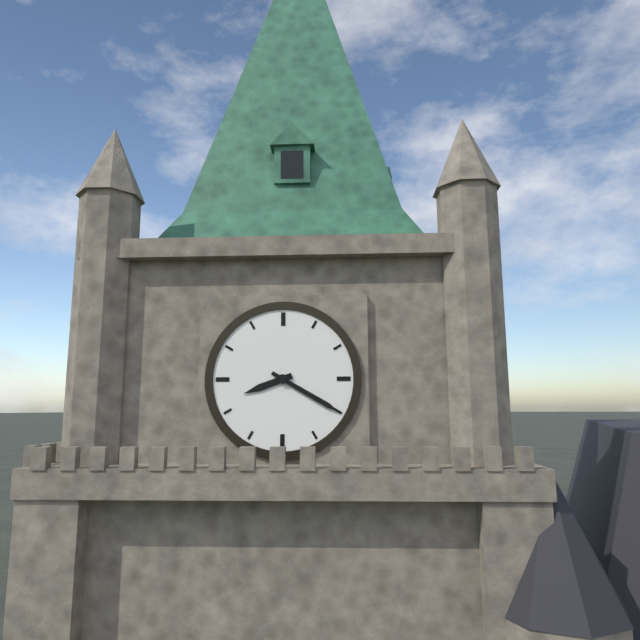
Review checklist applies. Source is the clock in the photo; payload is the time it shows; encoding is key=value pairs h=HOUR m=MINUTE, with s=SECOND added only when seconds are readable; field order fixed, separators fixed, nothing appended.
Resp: h=8 m=20
